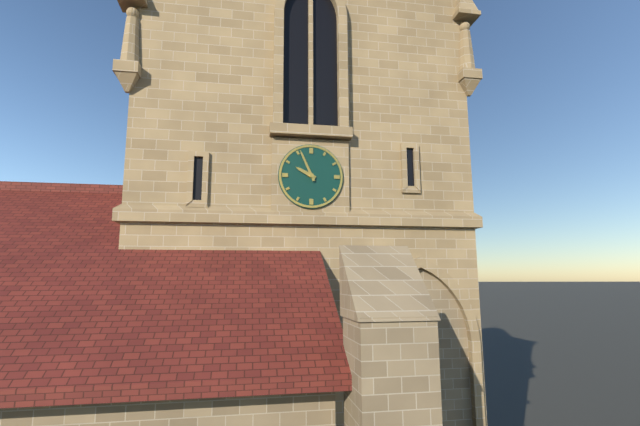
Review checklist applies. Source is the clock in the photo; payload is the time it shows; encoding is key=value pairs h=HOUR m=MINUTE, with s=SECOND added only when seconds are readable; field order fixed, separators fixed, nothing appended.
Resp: h=9 m=56
